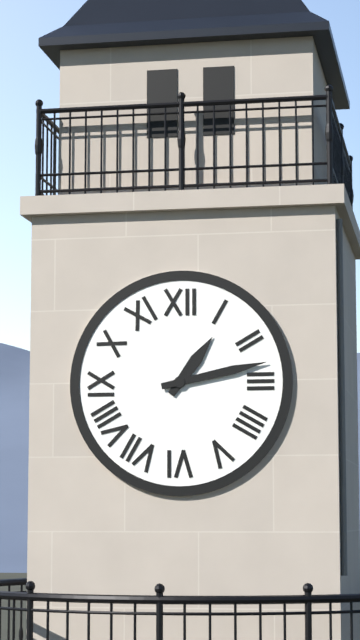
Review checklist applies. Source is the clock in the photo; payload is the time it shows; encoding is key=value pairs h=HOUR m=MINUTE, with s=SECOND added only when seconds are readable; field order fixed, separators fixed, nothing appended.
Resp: h=1 m=13
